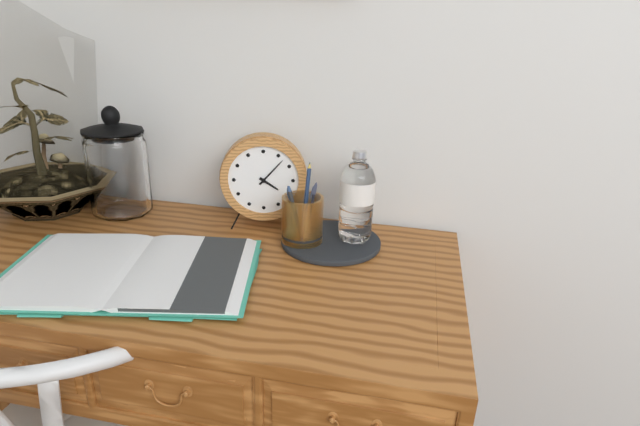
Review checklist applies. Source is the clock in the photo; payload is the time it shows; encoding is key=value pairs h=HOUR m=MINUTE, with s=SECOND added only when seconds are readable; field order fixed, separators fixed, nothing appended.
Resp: h=4 m=7
